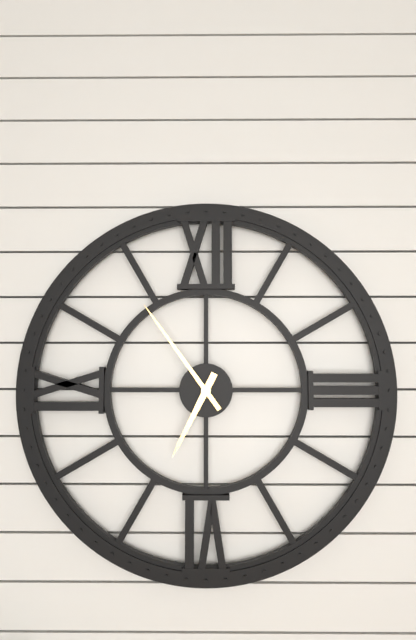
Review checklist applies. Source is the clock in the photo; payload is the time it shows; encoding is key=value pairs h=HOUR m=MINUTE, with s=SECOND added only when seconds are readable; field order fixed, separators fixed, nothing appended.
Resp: h=6 m=54
